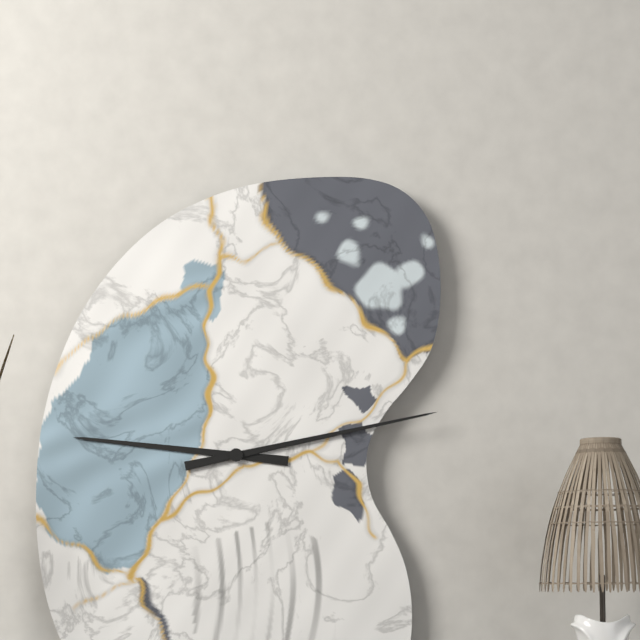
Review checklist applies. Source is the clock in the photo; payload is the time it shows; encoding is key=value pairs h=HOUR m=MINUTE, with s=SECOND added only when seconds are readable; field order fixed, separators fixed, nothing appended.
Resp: h=9 m=13
